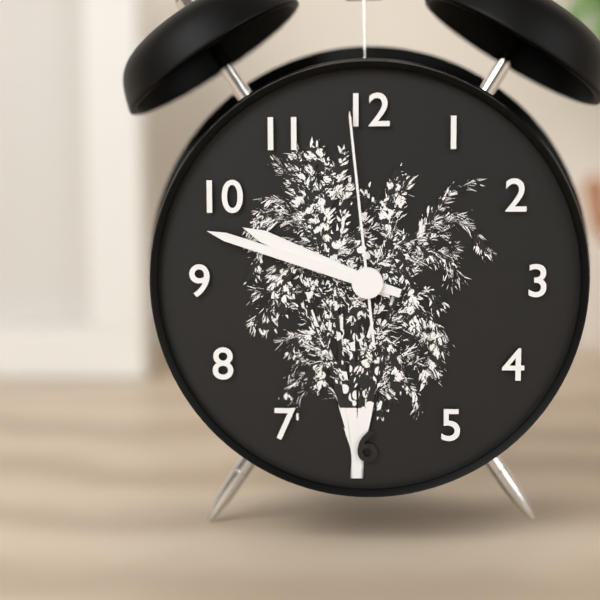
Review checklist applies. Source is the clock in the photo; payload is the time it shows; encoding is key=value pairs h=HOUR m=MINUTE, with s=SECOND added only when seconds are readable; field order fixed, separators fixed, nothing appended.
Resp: h=9 m=48 s=59
